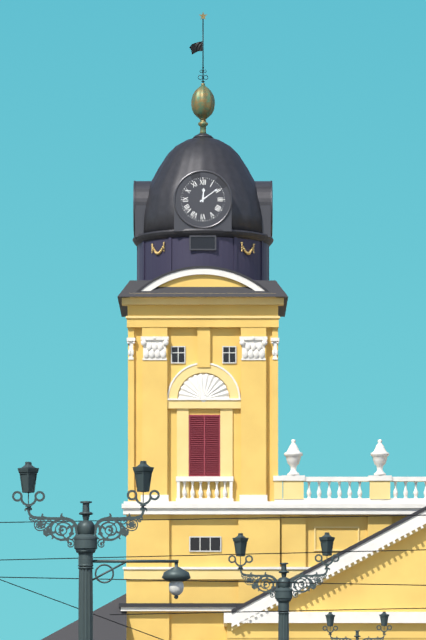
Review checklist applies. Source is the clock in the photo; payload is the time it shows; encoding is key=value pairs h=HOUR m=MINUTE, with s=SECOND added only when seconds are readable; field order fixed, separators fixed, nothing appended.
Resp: h=12 m=9
